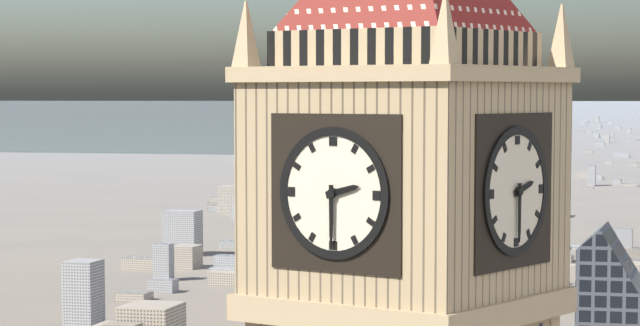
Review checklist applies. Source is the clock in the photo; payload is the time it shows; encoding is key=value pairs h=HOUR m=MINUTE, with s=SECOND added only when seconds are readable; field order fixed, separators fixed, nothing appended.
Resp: h=2 m=30
